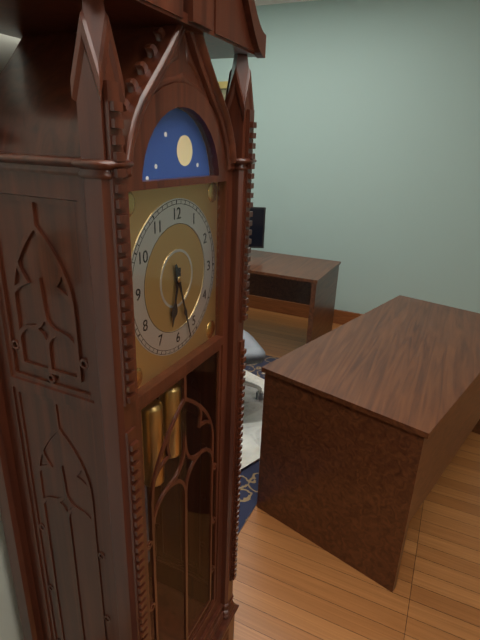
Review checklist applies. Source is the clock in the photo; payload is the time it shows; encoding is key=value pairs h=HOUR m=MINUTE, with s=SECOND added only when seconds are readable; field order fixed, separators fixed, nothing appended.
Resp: h=6 m=27
